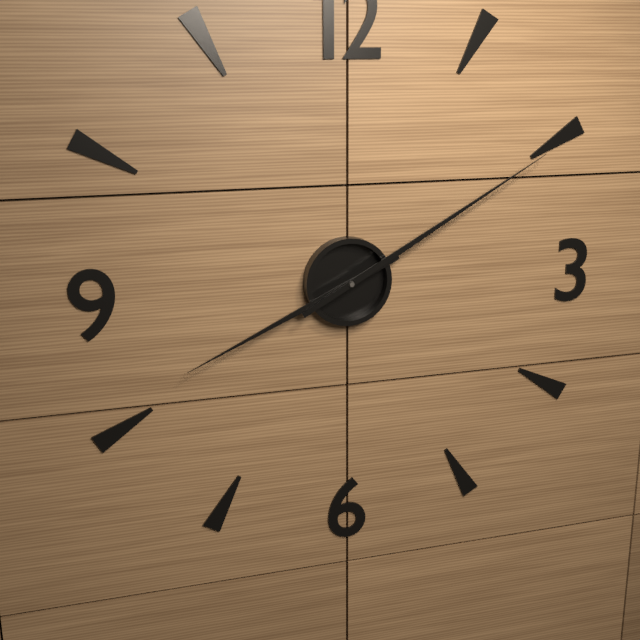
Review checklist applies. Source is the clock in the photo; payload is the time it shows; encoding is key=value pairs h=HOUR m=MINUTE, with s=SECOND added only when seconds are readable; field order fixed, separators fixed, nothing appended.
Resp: h=8 m=10
